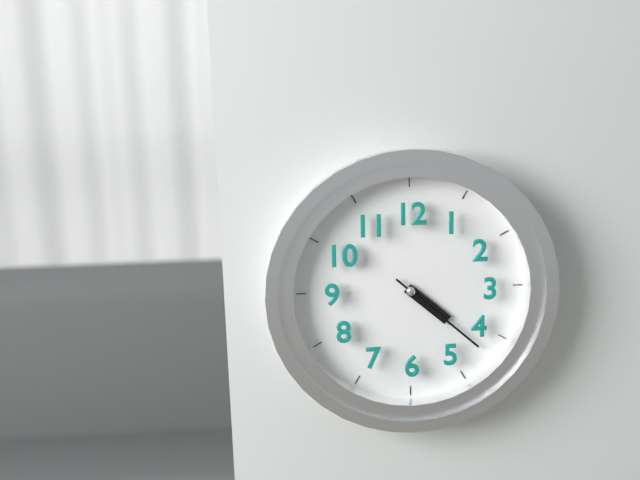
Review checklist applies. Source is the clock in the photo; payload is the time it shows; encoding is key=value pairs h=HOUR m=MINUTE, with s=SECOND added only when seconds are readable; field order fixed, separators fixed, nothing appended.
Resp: h=4 m=22
